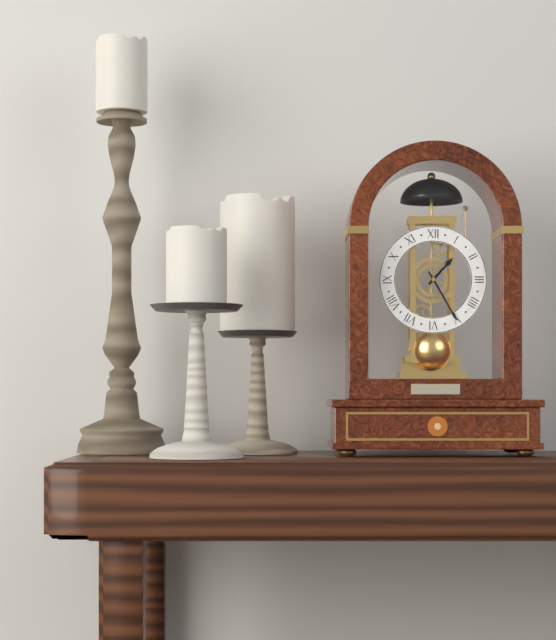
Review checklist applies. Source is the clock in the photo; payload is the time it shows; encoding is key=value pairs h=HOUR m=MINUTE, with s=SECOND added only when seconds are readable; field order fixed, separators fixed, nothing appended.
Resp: h=1 m=25
